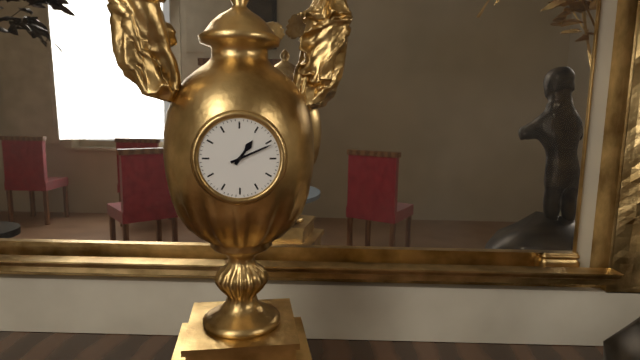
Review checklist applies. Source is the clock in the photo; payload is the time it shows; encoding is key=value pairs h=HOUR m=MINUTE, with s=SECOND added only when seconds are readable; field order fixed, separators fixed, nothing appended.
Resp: h=1 m=11
